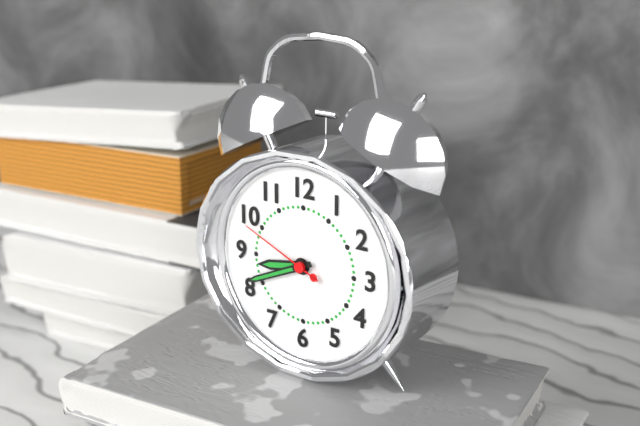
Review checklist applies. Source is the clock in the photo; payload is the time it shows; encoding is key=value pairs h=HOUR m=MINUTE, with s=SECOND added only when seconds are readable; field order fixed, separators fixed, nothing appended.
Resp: h=8 m=41 s=49
